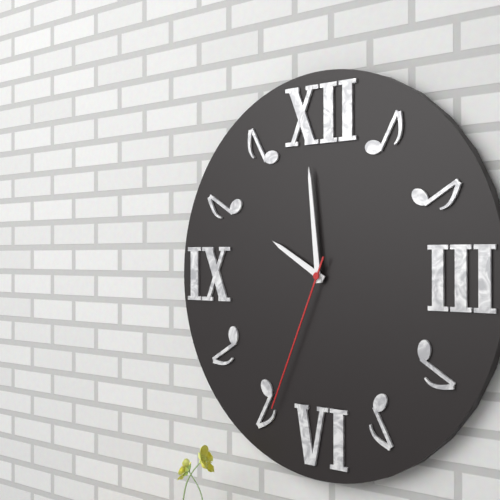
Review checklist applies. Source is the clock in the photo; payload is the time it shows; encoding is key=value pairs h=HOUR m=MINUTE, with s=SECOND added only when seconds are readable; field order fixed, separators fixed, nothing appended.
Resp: h=9 m=59 s=34
